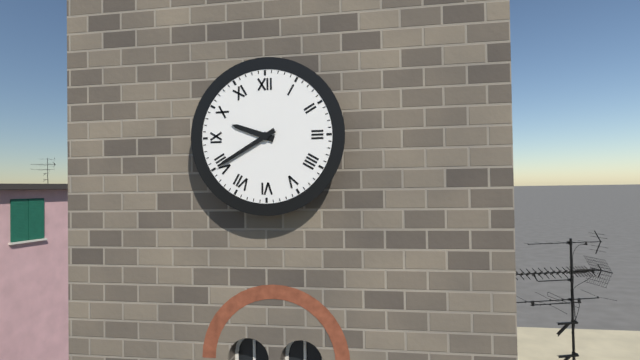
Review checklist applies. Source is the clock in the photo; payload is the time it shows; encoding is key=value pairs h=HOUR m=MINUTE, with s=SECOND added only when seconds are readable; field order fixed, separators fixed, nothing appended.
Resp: h=9 m=40
